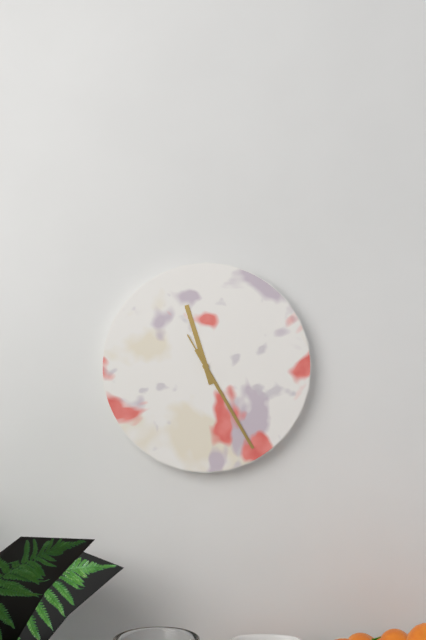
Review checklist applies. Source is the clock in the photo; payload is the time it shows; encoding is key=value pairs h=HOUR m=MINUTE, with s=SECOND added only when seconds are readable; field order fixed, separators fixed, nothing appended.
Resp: h=11 m=25 s=25
